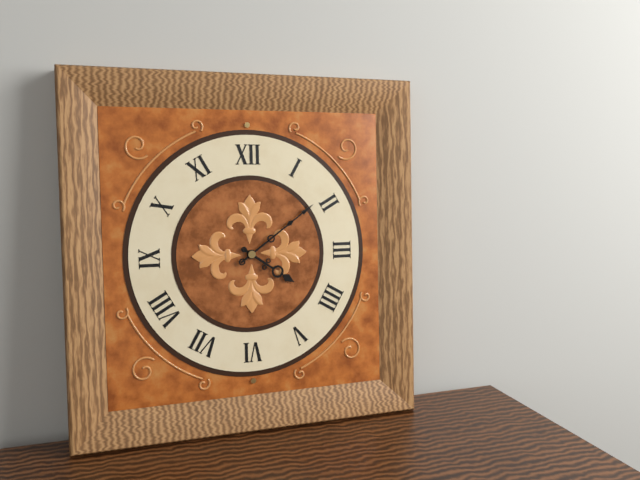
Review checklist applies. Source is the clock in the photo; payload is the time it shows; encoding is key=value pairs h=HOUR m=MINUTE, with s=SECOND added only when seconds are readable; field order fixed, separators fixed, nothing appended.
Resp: h=4 m=9
